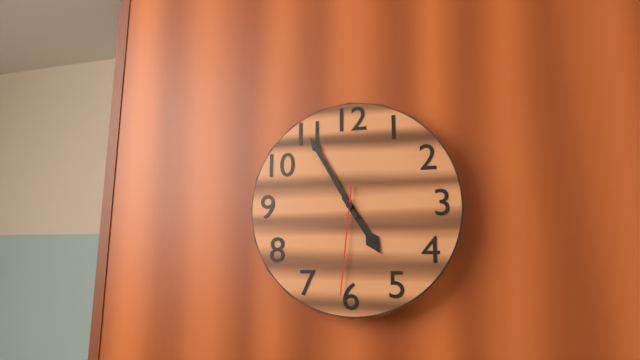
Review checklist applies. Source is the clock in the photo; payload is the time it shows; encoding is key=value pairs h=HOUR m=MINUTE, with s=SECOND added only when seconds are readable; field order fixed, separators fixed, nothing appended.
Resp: h=4 m=55 s=31
